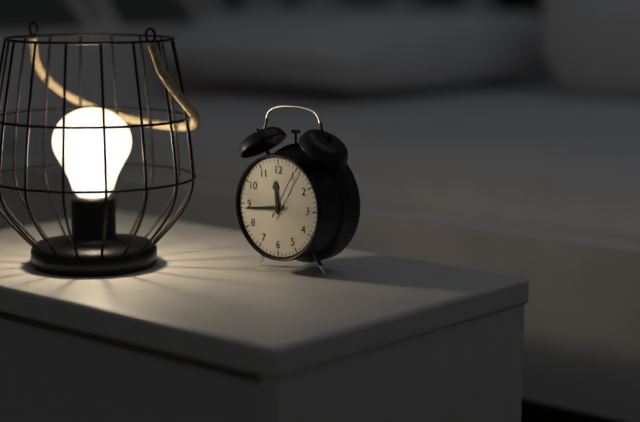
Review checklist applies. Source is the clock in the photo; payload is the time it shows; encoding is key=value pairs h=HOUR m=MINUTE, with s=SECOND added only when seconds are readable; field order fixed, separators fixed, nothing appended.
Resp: h=11 m=44 s=5
